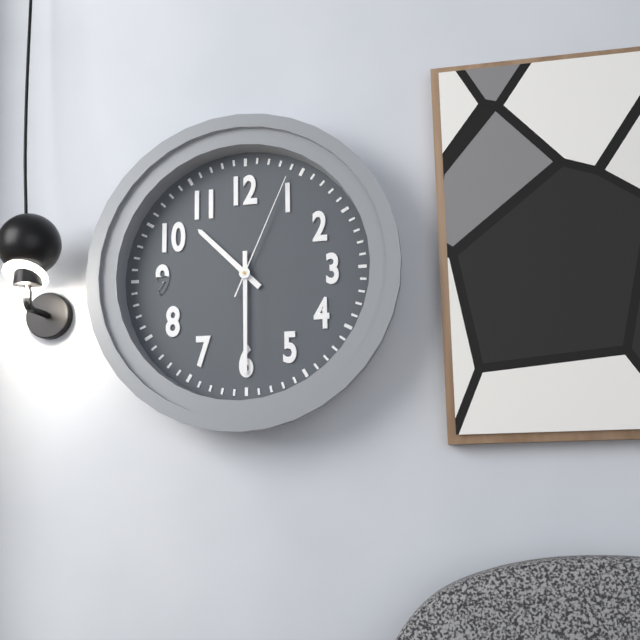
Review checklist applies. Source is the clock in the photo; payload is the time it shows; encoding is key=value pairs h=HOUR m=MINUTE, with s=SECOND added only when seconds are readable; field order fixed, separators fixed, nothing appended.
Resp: h=10 m=30 s=4
